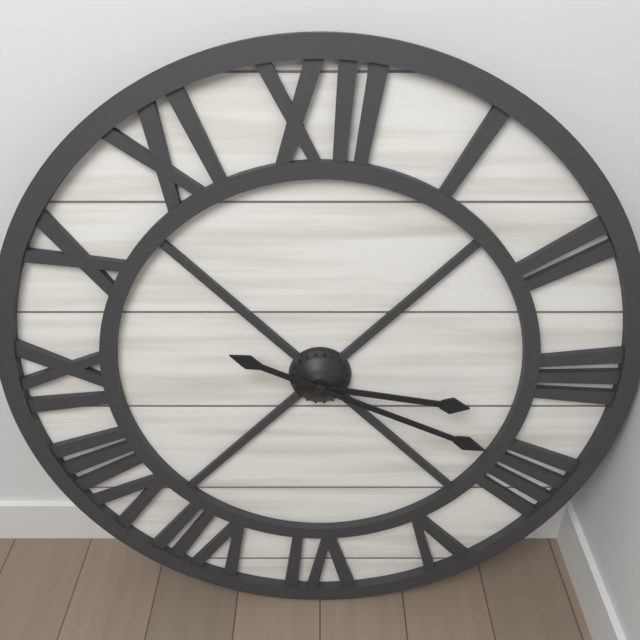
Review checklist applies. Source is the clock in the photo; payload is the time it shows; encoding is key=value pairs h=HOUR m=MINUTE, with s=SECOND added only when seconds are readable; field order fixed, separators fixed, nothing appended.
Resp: h=3 m=19
